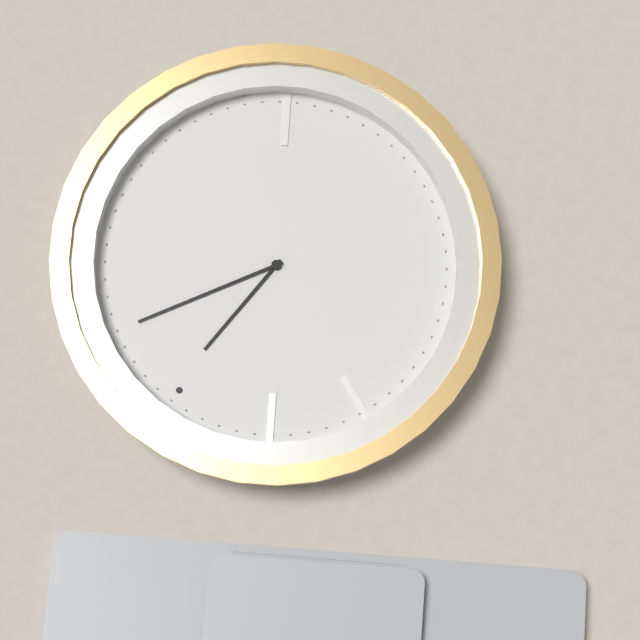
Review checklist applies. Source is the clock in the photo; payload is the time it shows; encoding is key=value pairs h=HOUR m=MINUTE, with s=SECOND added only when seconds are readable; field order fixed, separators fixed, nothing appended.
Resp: h=12 m=5
